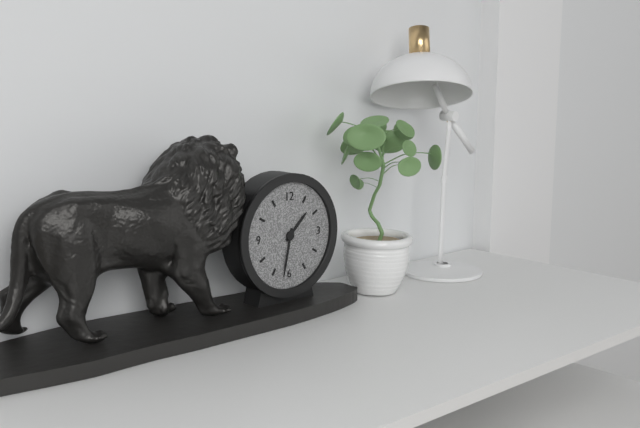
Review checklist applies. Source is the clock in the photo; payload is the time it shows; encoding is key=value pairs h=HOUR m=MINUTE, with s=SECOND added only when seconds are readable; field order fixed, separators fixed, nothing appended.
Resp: h=1 m=32
